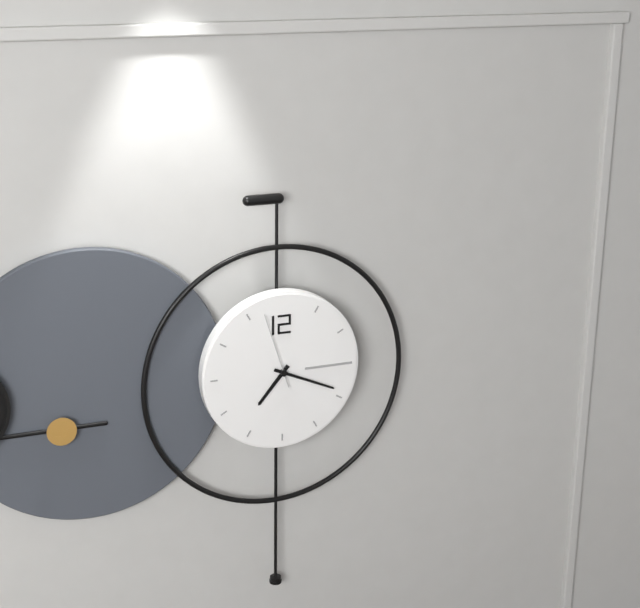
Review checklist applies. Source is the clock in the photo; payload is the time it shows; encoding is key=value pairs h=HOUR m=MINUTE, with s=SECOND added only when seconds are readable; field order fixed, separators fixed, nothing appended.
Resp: h=7 m=19 s=57
